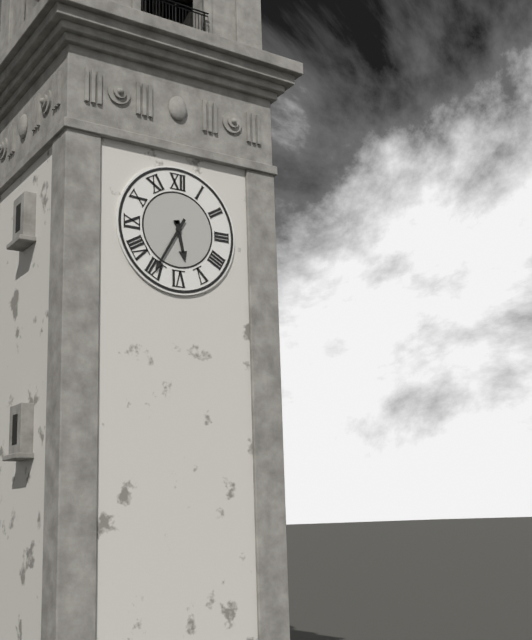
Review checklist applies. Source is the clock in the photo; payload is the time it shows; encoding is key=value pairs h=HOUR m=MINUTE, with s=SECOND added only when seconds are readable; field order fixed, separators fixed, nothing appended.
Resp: h=5 m=35
